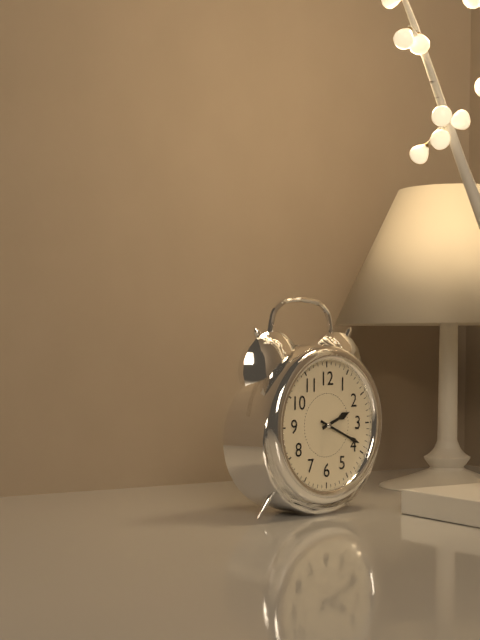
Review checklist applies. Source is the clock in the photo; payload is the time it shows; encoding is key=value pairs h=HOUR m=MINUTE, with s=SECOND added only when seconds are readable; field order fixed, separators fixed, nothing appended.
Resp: h=2 m=19
